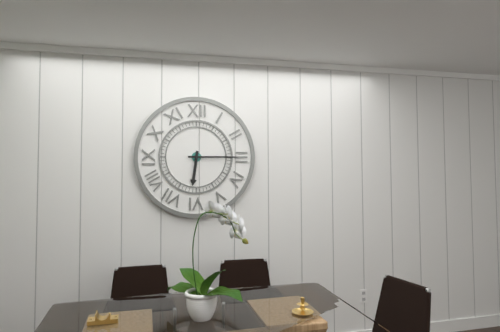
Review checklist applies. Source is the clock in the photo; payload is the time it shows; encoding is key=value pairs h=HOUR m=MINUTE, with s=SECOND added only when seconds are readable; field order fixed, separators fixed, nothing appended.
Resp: h=6 m=15
